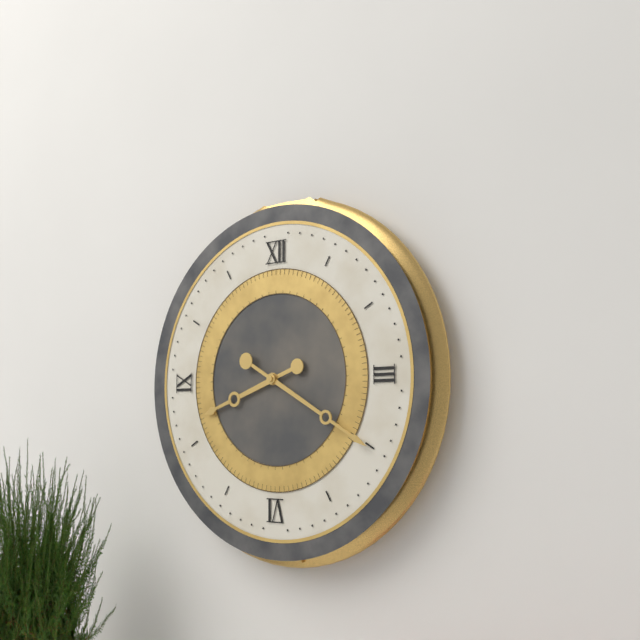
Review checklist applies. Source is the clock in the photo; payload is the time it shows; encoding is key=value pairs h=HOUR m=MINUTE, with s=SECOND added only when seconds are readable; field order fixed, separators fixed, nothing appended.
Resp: h=8 m=20
